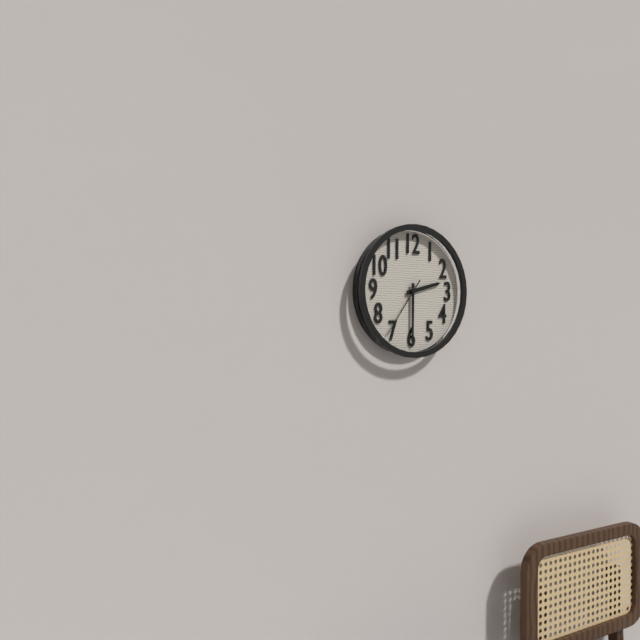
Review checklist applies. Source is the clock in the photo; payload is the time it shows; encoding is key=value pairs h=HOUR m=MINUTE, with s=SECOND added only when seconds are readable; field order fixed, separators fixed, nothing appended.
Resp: h=2 m=30 s=36
